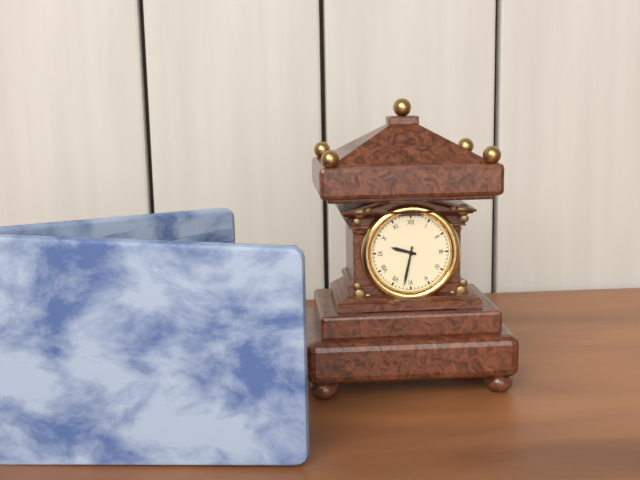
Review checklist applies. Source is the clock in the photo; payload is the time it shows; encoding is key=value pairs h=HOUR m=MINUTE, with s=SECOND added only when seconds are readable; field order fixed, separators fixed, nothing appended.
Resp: h=9 m=32
